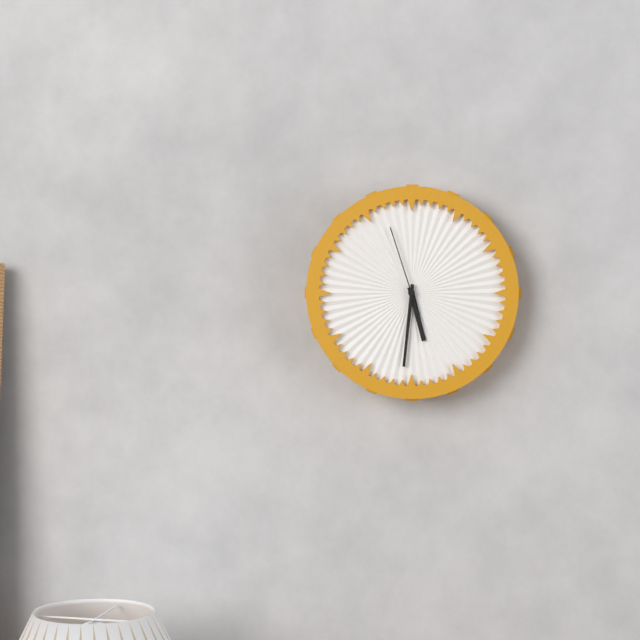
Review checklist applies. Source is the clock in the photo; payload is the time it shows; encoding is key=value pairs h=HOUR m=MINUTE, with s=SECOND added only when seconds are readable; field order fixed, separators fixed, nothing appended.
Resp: h=5 m=31 s=57
